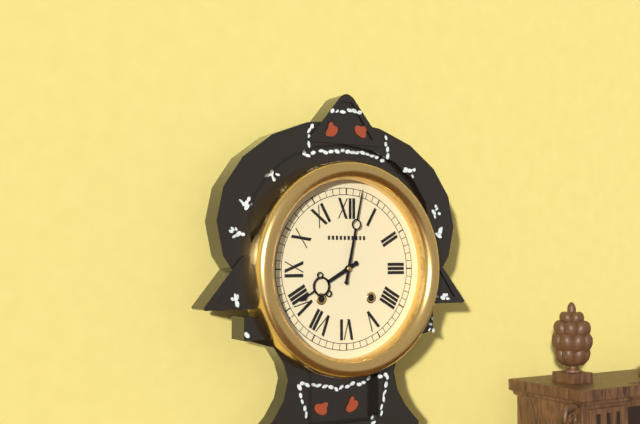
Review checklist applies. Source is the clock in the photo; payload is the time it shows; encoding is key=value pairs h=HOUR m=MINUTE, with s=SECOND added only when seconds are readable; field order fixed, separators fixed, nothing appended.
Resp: h=8 m=2
